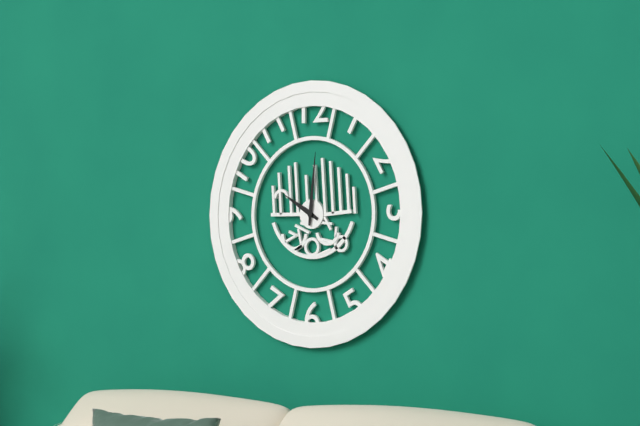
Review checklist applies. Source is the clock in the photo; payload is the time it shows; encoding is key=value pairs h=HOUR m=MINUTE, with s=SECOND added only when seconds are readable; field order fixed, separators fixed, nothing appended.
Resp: h=10 m=1
